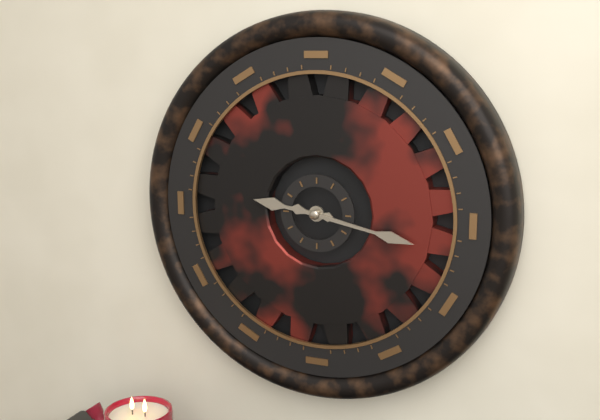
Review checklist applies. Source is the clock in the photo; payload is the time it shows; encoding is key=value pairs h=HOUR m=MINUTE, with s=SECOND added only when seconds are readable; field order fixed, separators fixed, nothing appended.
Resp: h=9 m=17
